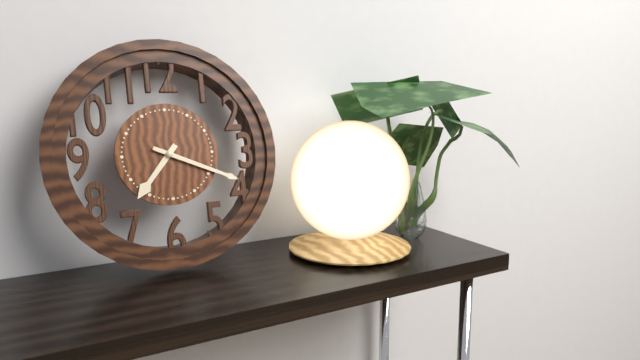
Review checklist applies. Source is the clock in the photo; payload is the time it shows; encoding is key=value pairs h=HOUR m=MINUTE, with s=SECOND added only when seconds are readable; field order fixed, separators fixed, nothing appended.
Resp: h=7 m=19
